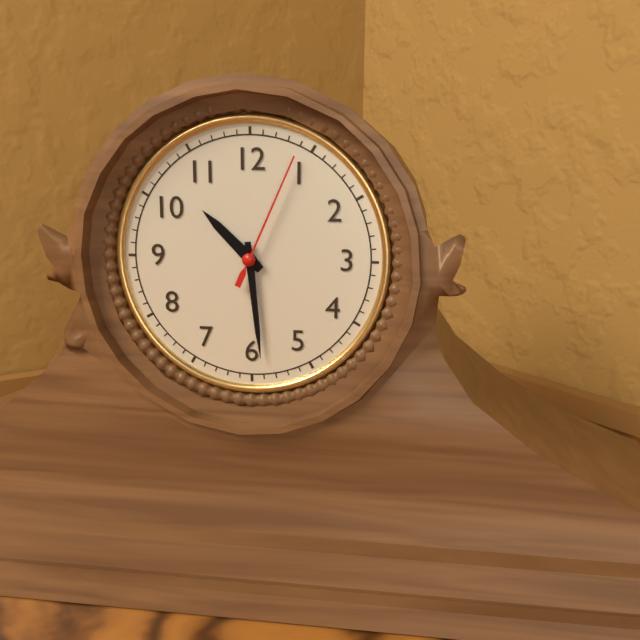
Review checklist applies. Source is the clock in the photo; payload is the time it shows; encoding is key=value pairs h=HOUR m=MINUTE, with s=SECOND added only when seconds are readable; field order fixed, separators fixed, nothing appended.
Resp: h=10 m=29 s=4
